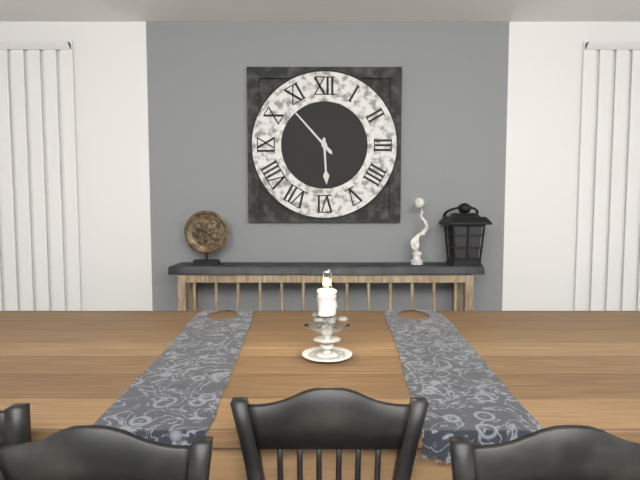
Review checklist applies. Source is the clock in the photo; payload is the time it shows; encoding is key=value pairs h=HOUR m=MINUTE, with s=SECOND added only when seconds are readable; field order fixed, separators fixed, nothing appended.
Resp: h=5 m=53
